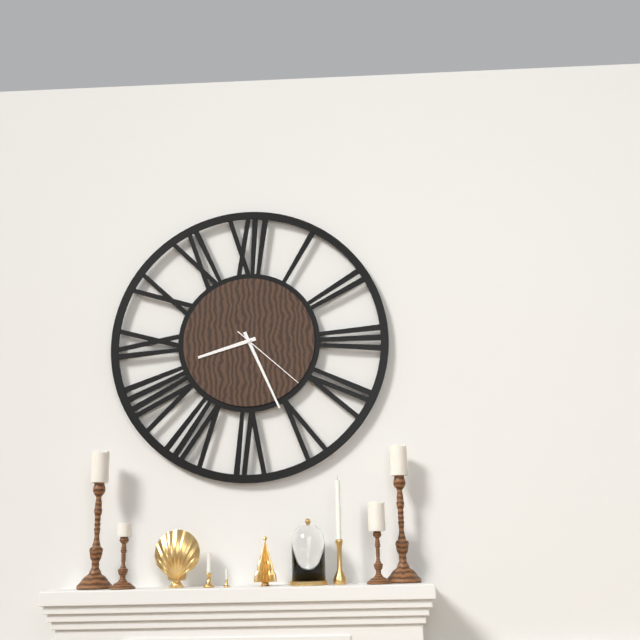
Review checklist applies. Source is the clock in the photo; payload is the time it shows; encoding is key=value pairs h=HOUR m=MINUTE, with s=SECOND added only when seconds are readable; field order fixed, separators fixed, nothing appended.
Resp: h=8 m=26 s=22
